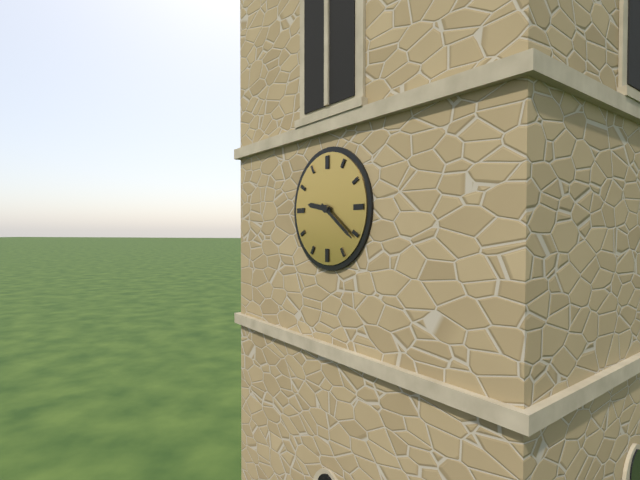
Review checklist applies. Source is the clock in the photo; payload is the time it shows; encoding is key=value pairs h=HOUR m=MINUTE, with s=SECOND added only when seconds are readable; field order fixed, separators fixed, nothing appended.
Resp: h=9 m=21
